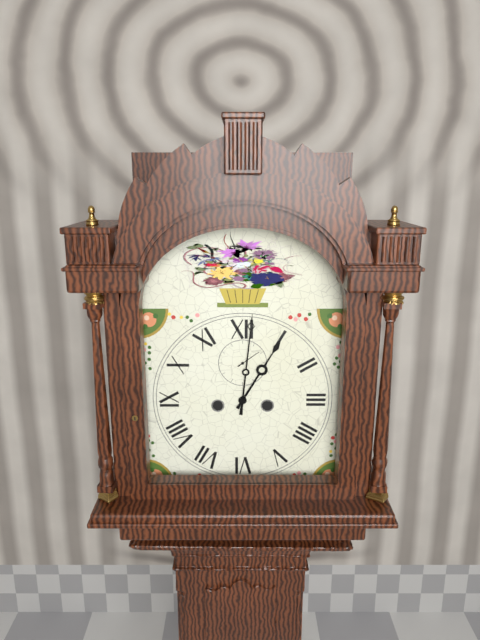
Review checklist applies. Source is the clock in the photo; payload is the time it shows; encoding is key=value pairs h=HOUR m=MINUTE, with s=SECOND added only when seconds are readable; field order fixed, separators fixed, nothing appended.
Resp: h=1 m=1
